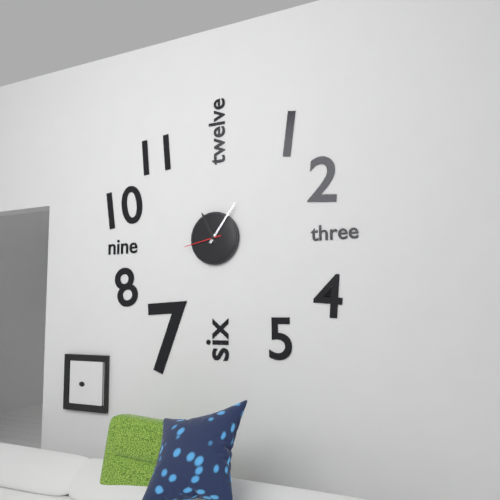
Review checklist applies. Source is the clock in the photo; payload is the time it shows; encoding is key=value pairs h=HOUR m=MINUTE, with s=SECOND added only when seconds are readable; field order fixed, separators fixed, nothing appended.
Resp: h=11 m=6
